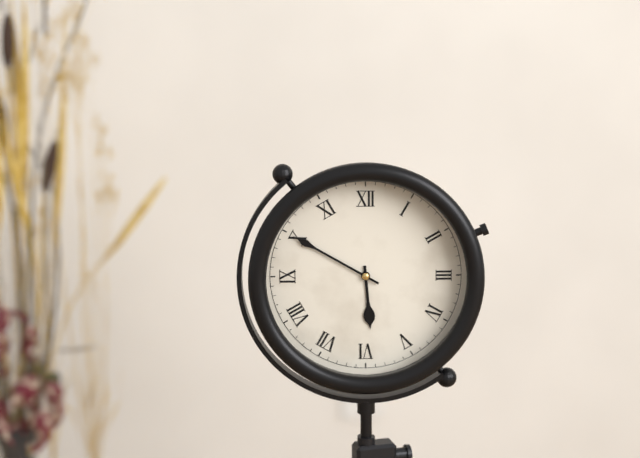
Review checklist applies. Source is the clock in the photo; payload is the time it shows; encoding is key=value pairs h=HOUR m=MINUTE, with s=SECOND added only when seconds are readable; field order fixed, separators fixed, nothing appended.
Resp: h=5 m=50
